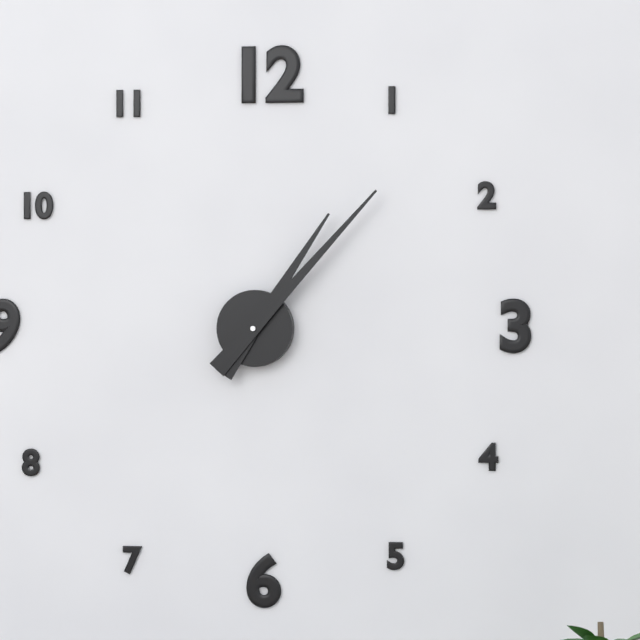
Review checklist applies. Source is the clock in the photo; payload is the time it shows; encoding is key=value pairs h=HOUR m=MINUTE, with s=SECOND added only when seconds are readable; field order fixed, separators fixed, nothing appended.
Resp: h=1 m=7
